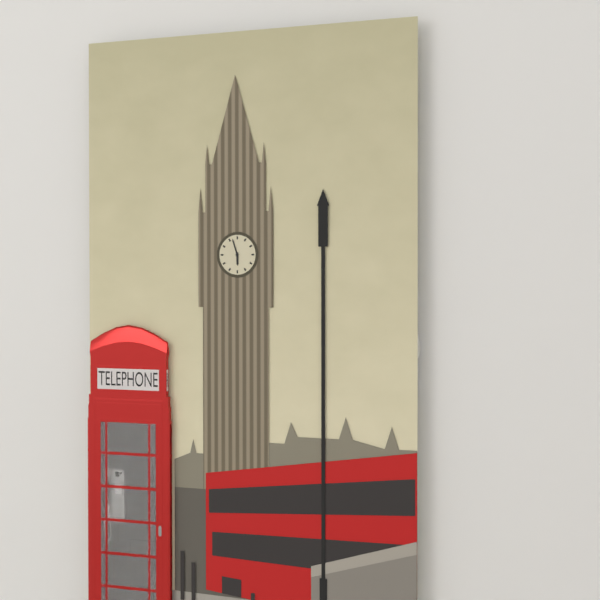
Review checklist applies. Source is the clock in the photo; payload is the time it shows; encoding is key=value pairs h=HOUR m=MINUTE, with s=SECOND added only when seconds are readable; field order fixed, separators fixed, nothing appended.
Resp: h=5 m=57
